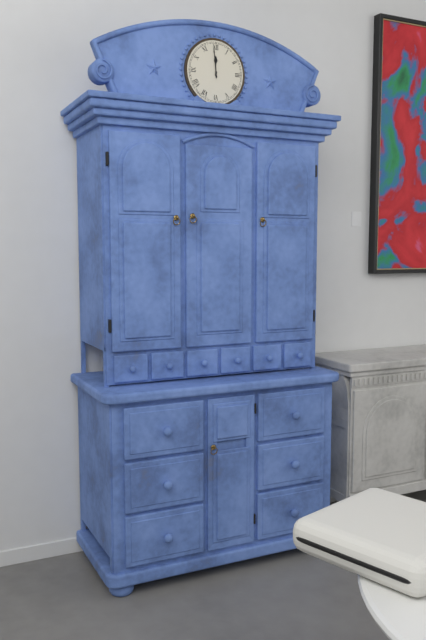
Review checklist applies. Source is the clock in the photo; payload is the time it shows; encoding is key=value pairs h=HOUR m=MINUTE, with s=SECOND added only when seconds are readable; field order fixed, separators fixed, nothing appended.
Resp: h=11 m=59
